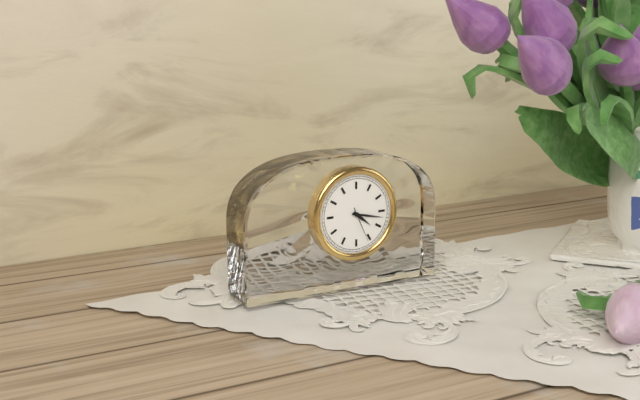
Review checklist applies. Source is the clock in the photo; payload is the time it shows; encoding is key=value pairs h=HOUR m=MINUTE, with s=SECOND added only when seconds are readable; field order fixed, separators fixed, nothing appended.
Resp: h=4 m=17
